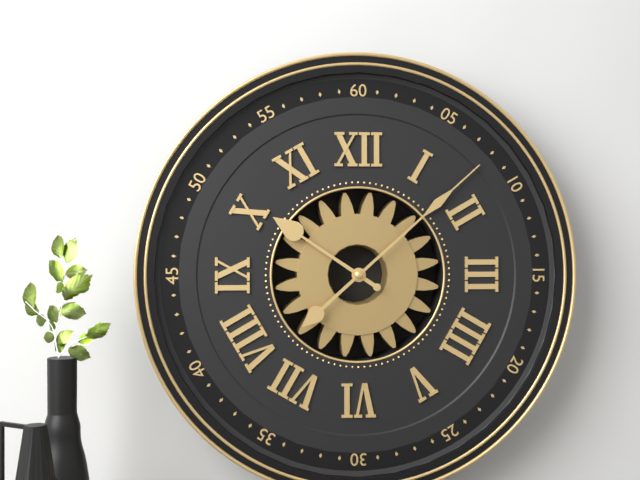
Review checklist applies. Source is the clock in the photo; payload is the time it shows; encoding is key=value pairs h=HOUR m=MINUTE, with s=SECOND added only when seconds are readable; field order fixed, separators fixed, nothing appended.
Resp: h=10 m=8
